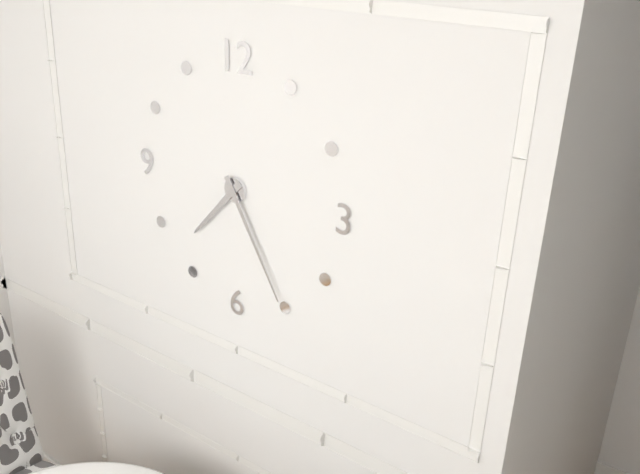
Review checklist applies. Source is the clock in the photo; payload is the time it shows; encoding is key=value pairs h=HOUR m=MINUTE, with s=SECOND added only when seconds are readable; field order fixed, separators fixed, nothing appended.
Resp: h=7 m=25
